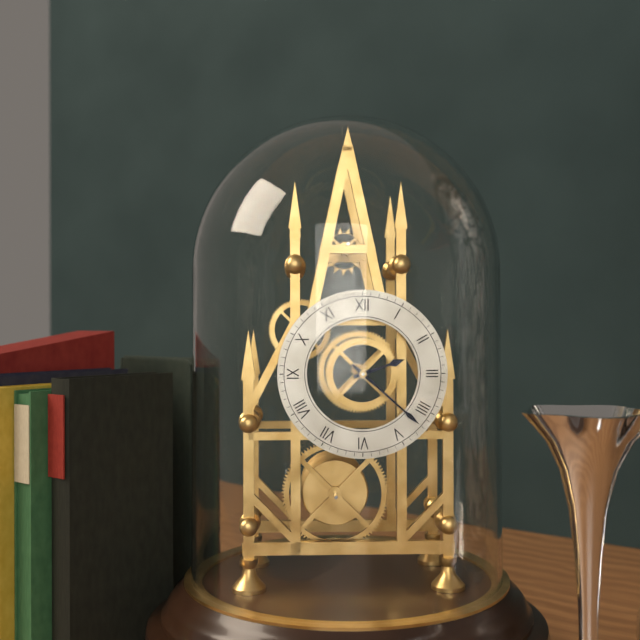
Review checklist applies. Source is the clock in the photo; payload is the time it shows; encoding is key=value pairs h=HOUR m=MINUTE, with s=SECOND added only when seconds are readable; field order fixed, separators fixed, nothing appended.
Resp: h=2 m=22
